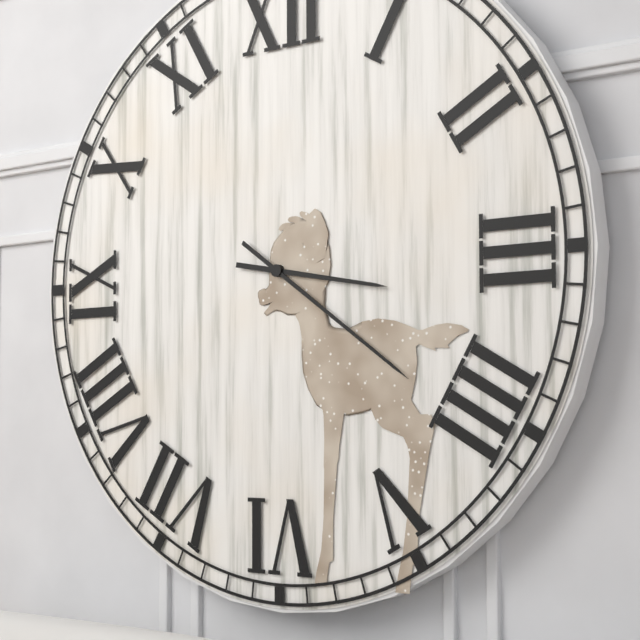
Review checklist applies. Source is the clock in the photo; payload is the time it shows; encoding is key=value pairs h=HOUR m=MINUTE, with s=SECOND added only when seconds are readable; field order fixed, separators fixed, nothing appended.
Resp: h=3 m=21
